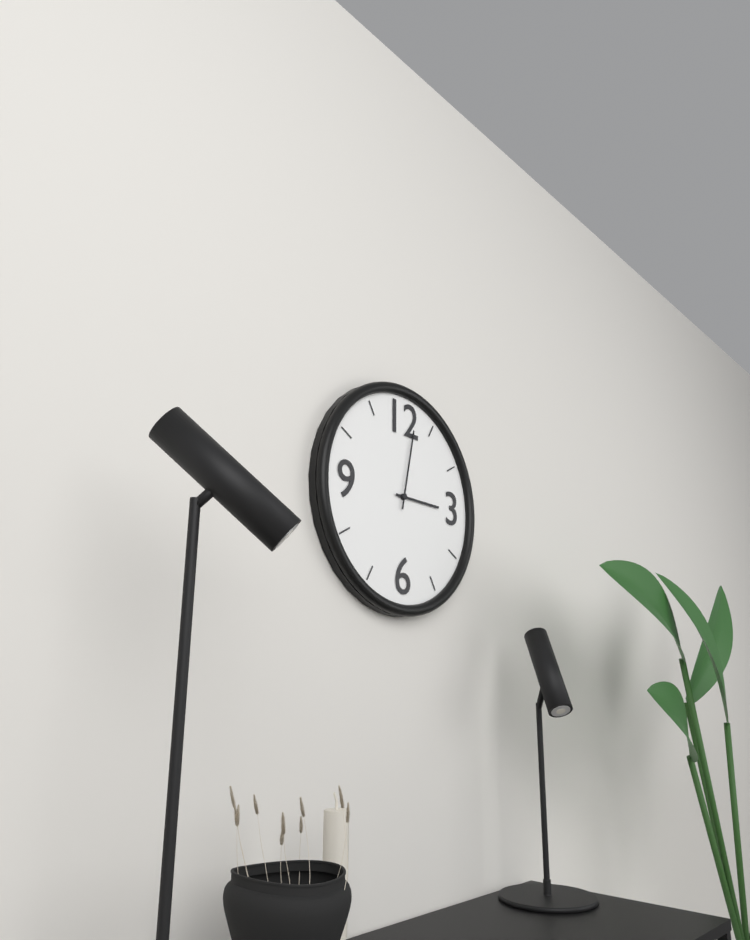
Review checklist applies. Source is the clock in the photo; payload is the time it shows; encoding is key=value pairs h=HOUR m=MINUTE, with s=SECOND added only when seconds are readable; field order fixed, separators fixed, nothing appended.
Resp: h=3 m=2
